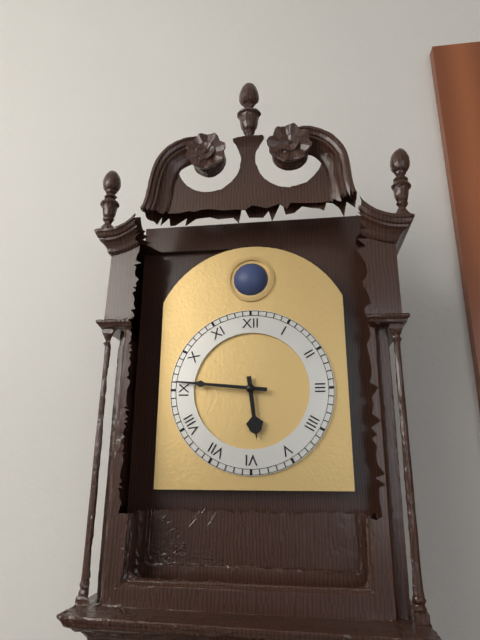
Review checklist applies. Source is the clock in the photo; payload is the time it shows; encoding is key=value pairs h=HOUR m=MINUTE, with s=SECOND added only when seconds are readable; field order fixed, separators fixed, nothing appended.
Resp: h=5 m=46
